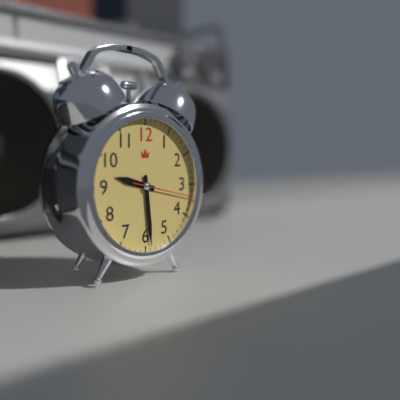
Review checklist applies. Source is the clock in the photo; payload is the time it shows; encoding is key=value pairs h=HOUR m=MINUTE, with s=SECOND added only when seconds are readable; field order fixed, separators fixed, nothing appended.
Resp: h=9 m=29 s=17
